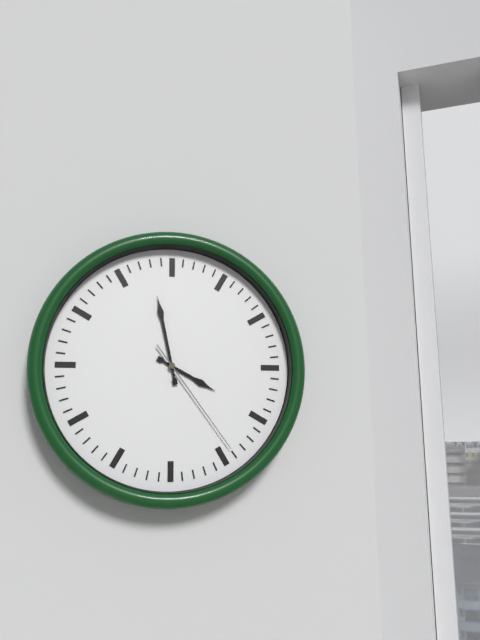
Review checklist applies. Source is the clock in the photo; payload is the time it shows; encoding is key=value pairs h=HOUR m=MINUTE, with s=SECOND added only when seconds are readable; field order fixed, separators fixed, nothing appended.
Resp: h=3 m=58 s=24
